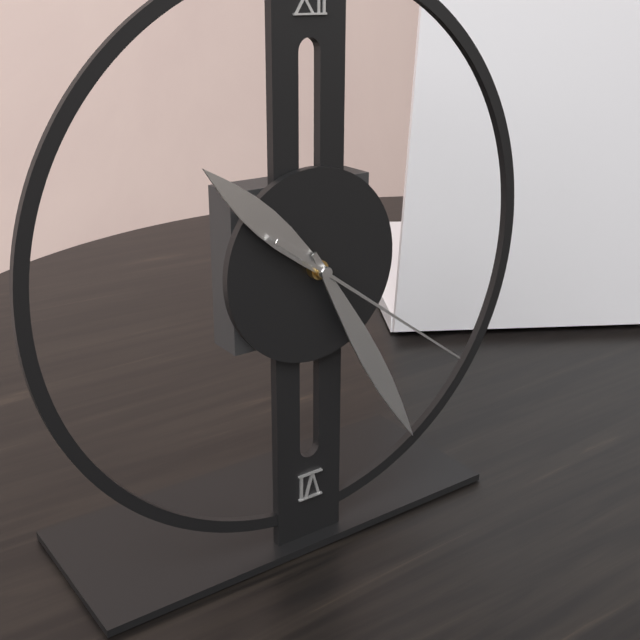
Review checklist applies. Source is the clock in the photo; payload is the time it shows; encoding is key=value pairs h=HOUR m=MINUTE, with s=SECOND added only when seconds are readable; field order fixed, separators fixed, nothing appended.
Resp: h=10 m=25 s=21
